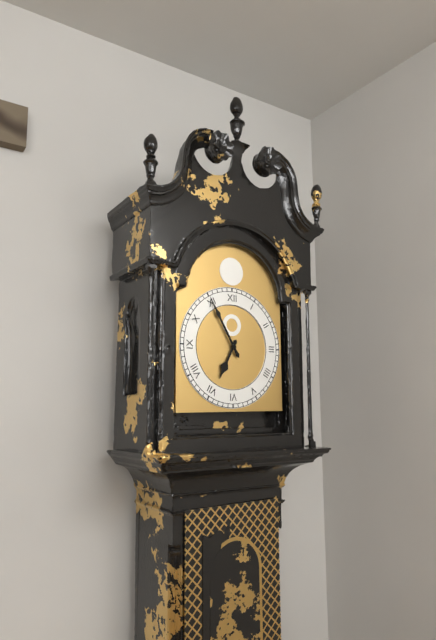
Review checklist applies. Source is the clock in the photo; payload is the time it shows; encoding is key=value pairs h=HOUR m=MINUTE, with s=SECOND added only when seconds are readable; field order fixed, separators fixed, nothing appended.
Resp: h=6 m=55
